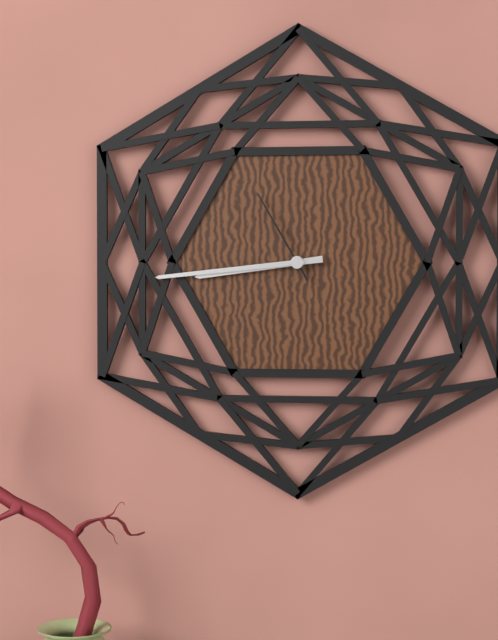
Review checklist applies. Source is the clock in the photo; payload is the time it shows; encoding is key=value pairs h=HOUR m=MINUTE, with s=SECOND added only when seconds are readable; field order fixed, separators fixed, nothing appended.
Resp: h=8 m=44 s=55
